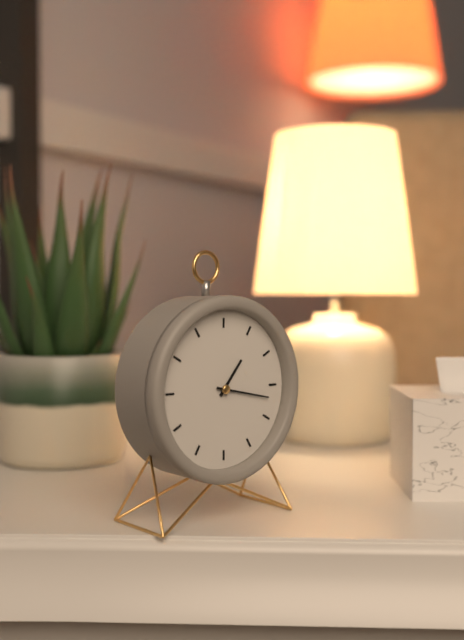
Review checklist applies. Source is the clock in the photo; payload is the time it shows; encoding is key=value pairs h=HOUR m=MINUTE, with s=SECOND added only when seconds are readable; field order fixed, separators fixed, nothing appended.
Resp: h=1 m=17
